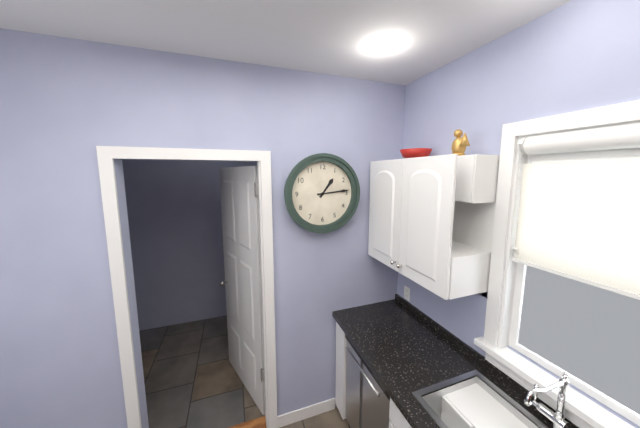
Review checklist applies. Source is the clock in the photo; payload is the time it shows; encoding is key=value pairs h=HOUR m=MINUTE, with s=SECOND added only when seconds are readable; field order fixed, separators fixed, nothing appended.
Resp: h=1 m=14
